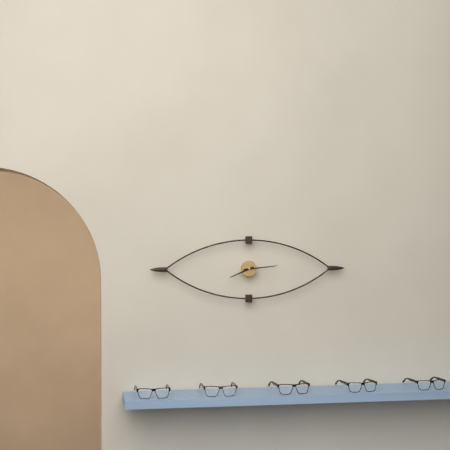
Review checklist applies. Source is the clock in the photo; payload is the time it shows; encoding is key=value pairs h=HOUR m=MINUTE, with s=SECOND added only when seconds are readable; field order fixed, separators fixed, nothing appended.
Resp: h=8 m=14
